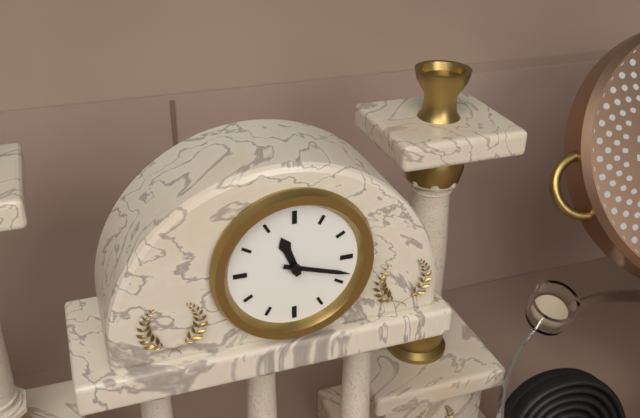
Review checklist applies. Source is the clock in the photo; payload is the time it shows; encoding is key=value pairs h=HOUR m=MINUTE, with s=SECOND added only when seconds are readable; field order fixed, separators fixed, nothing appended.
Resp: h=11 m=18
